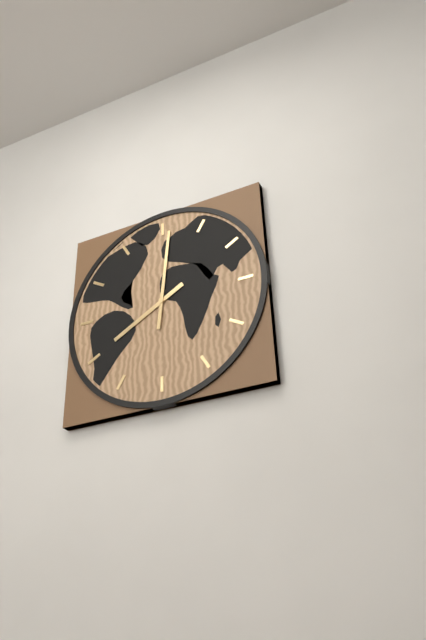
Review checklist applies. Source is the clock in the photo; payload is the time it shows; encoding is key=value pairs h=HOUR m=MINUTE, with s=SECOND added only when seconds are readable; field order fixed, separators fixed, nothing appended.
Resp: h=8 m=1
